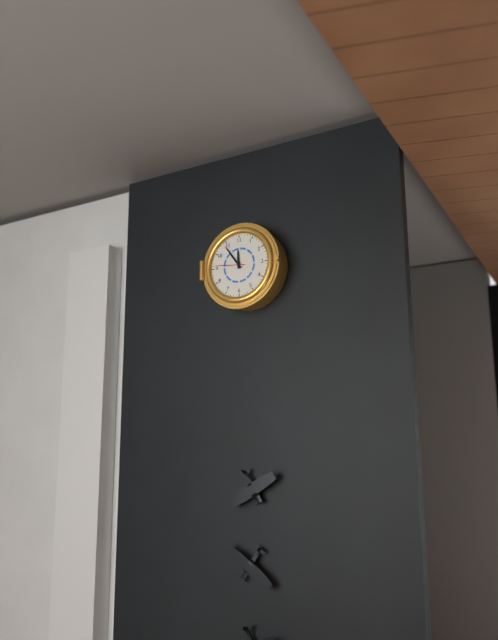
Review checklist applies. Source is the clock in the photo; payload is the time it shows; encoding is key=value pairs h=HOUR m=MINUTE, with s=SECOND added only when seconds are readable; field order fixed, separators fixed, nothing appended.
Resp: h=11 m=54
